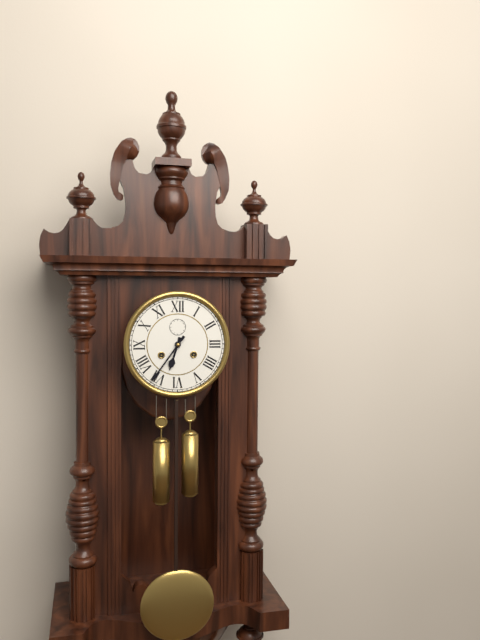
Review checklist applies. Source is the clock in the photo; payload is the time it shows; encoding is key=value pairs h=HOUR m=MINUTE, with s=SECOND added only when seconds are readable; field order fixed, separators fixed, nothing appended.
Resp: h=6 m=36
